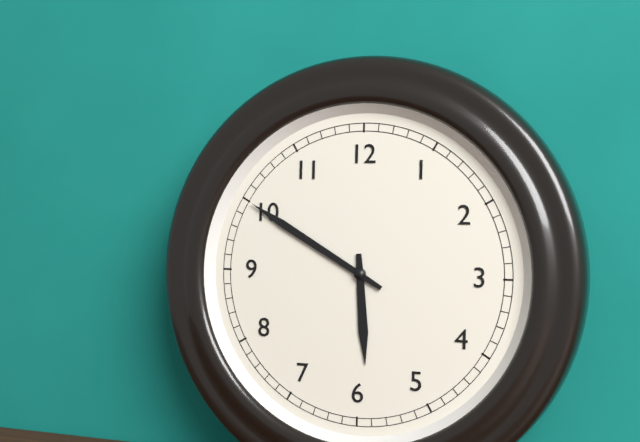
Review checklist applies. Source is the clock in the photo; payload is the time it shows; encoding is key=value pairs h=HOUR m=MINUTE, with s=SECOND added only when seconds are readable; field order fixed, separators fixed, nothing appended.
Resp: h=5 m=50
